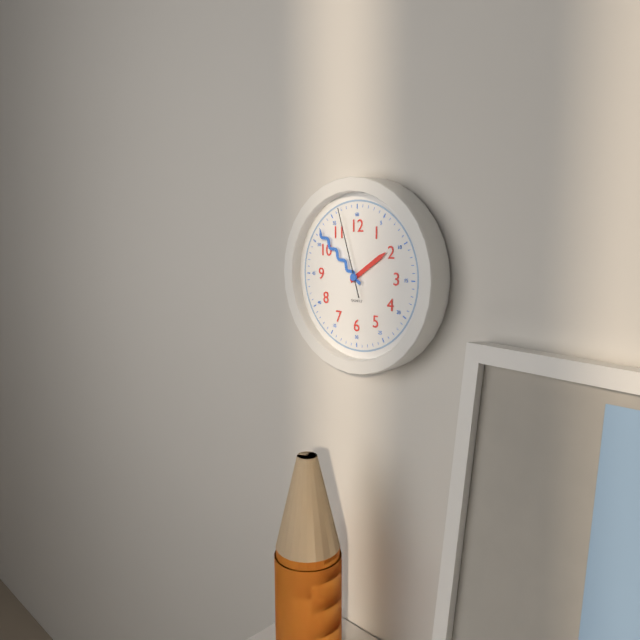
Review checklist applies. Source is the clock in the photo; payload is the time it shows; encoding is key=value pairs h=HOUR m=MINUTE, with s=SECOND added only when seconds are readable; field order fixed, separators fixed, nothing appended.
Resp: h=1 m=52 s=57
